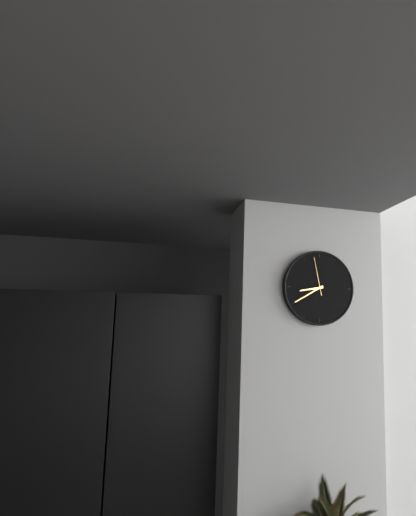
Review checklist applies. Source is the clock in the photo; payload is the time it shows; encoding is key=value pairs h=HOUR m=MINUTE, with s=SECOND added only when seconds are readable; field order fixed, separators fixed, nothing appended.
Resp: h=8 m=40
